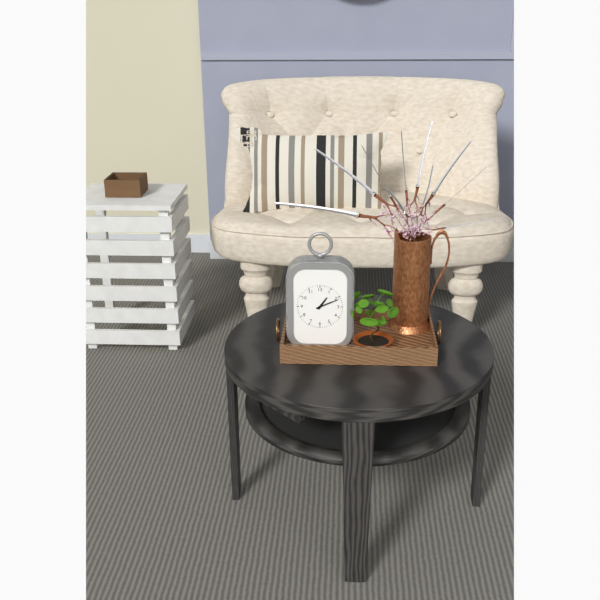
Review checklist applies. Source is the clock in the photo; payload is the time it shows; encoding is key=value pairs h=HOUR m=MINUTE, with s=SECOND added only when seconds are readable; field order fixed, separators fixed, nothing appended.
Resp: h=1 m=11
